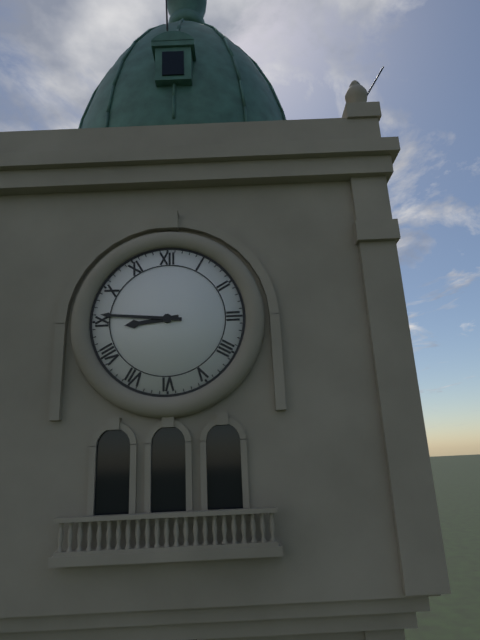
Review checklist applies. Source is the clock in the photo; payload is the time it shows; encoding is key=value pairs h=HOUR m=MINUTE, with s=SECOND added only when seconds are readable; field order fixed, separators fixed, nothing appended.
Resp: h=8 m=46
